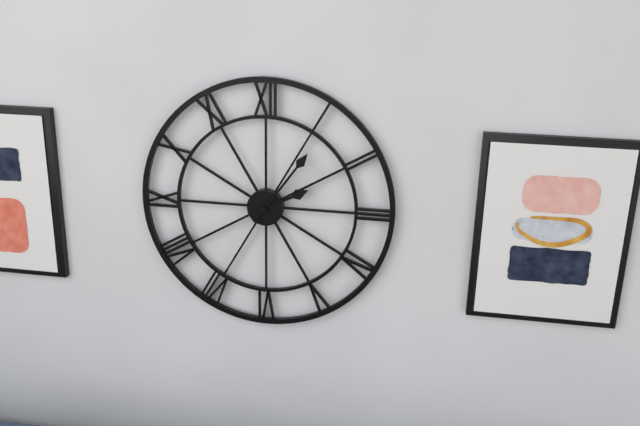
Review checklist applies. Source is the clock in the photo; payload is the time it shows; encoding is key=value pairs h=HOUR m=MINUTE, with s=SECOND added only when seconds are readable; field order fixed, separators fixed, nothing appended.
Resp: h=2 m=6
